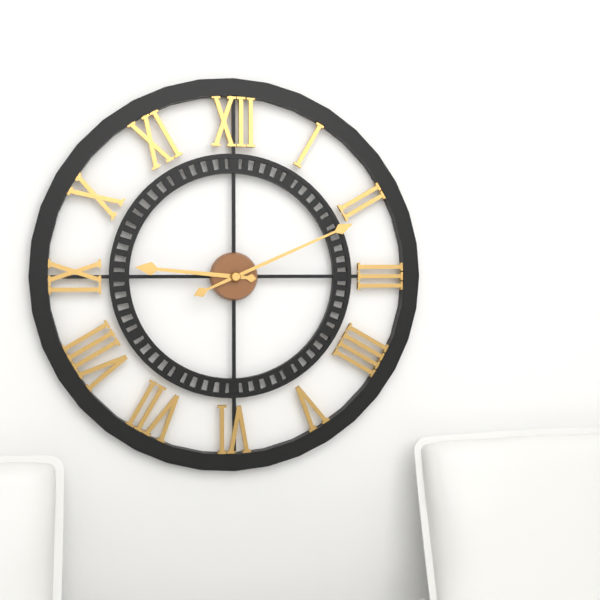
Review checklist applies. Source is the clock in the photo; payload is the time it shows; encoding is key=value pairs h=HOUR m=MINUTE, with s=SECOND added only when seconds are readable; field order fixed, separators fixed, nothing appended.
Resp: h=9 m=11
